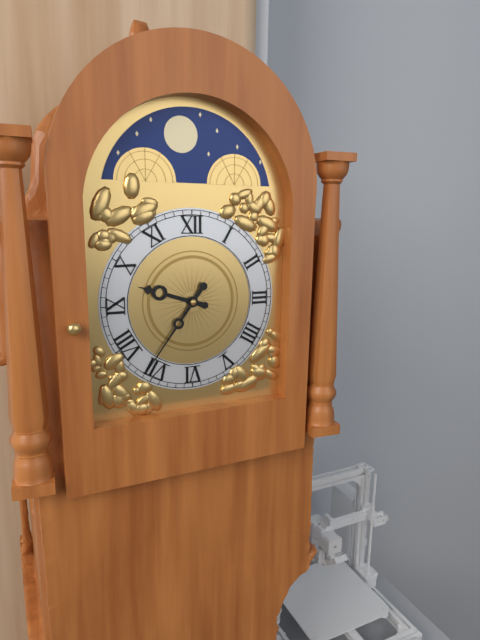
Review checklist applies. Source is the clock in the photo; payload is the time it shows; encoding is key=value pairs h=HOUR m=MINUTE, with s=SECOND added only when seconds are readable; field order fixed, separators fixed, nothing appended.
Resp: h=9 m=36
